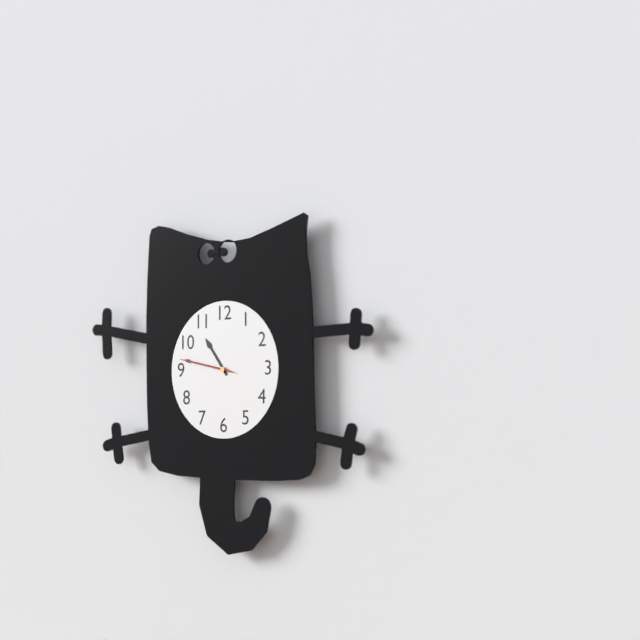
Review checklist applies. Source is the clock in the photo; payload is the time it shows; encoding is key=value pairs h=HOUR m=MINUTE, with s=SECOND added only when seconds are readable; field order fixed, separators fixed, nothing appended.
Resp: h=10 m=47 s=47
